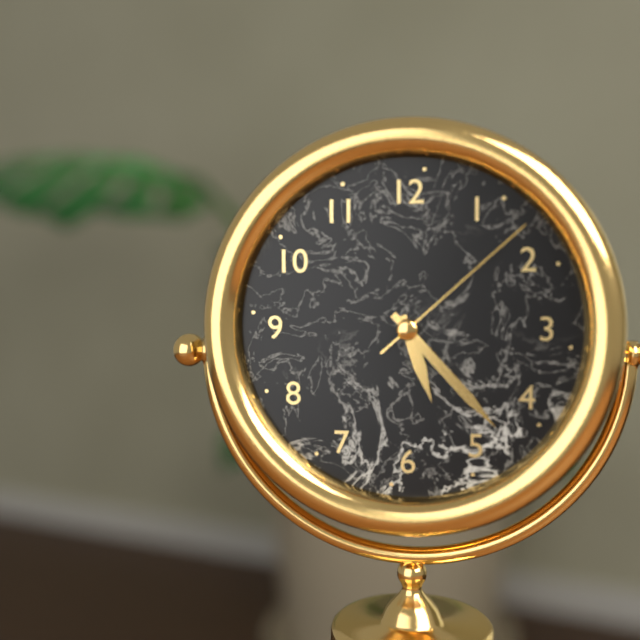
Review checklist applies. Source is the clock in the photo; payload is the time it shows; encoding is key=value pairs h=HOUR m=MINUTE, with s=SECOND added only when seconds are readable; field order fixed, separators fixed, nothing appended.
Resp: h=5 m=23 s=8
